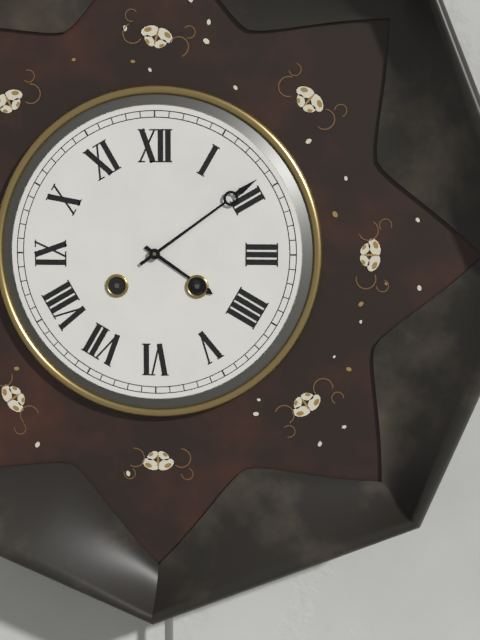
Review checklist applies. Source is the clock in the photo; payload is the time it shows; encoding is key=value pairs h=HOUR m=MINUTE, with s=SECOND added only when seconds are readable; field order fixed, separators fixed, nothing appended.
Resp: h=4 m=9
